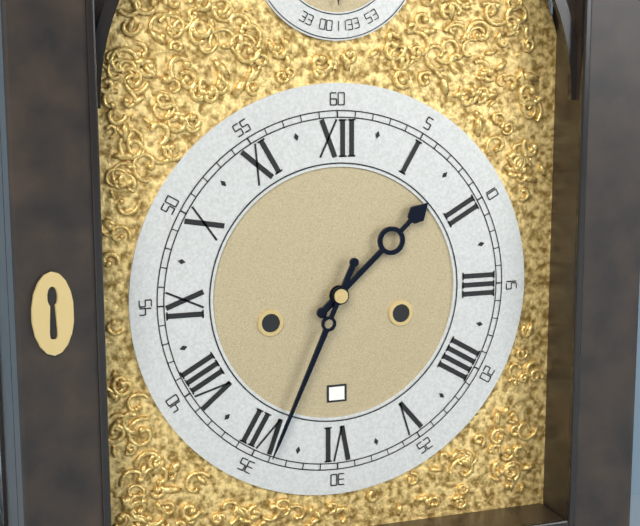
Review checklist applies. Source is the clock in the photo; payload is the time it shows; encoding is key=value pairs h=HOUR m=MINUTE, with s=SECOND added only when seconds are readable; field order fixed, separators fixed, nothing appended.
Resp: h=1 m=34
